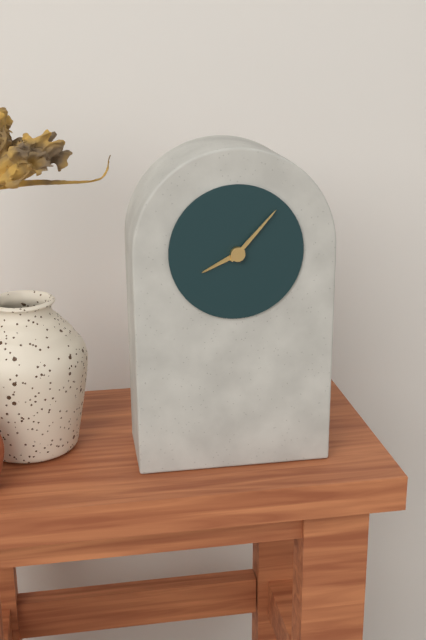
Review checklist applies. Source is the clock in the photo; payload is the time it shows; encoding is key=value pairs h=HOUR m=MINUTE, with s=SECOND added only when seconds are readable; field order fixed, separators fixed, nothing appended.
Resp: h=8 m=7
